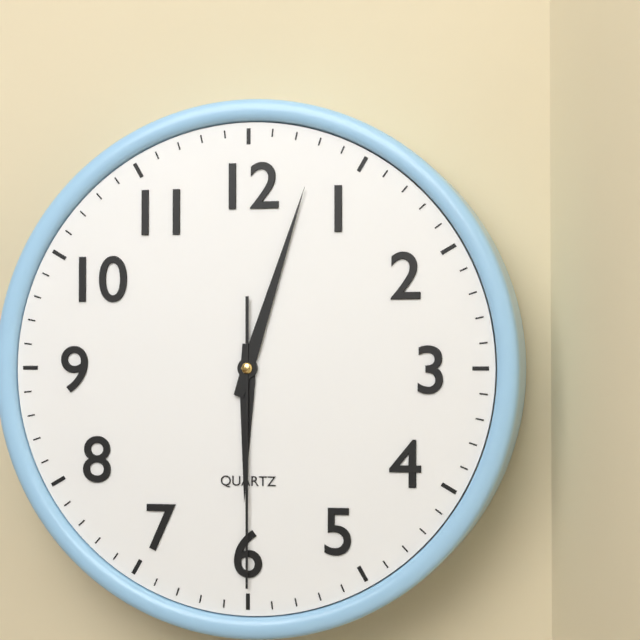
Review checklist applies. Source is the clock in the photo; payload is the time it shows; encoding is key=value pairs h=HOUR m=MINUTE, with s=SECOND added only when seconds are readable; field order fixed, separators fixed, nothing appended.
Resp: h=6 m=3 s=30
